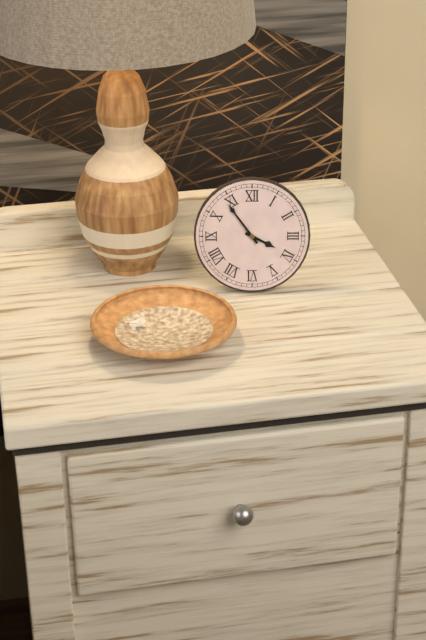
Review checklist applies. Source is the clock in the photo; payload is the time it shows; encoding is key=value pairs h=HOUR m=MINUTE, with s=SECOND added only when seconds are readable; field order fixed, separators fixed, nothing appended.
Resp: h=3 m=54
